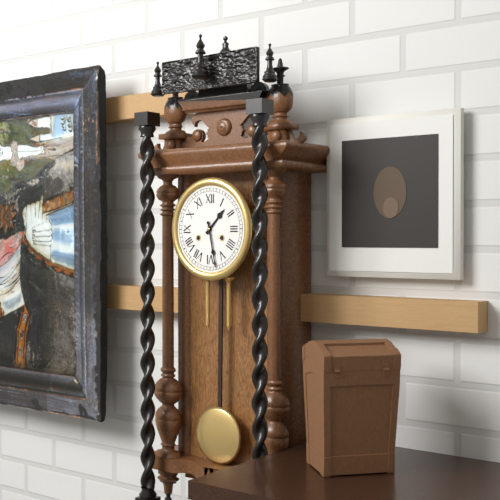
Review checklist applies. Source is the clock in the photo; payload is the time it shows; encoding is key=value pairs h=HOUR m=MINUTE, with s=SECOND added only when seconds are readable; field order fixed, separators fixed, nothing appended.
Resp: h=1 m=28
